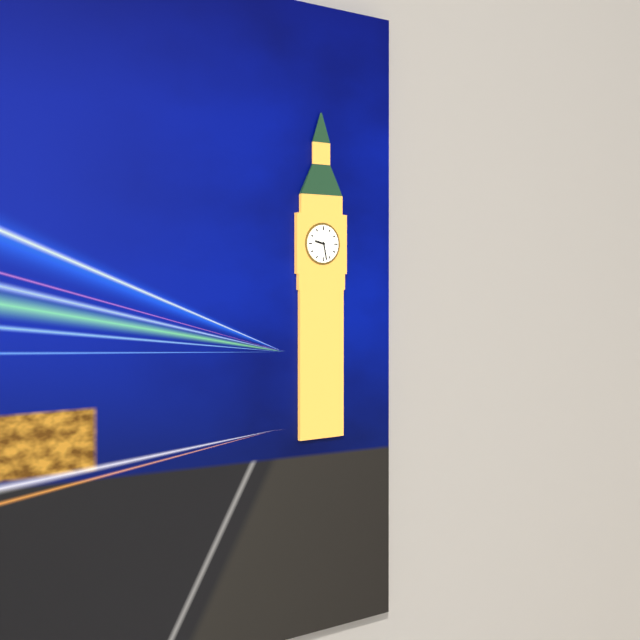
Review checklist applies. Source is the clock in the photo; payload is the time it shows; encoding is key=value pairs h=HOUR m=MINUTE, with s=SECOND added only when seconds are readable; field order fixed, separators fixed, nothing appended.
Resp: h=9 m=28
